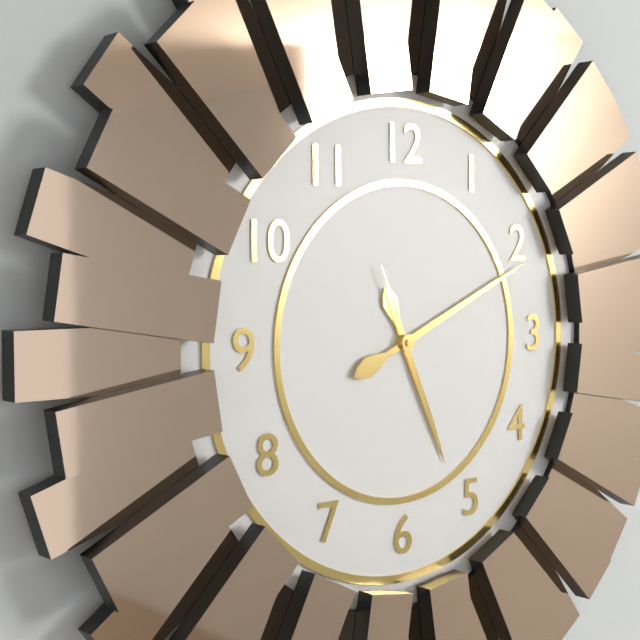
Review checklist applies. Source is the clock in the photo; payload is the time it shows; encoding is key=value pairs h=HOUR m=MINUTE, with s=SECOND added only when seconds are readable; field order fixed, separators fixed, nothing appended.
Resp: h=5 m=11 s=26
